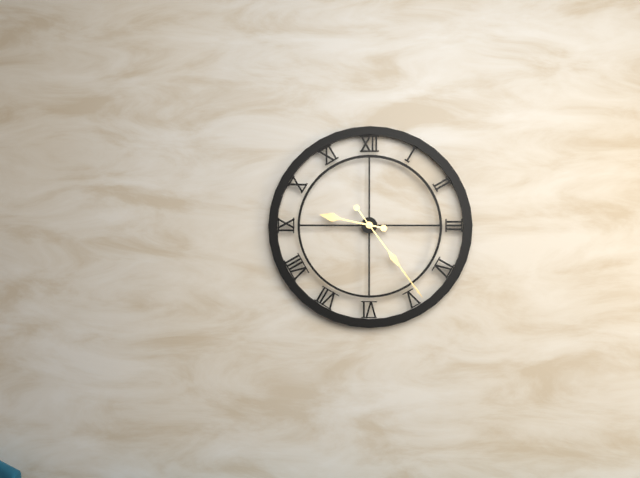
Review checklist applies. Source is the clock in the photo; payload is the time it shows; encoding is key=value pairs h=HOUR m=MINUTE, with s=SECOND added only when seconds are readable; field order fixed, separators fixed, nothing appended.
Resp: h=9 m=24
